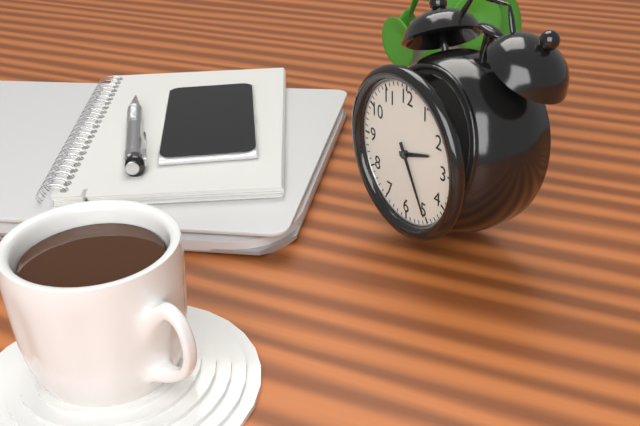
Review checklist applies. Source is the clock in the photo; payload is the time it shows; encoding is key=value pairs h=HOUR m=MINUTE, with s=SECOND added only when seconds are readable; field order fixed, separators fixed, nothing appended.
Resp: h=2 m=25
